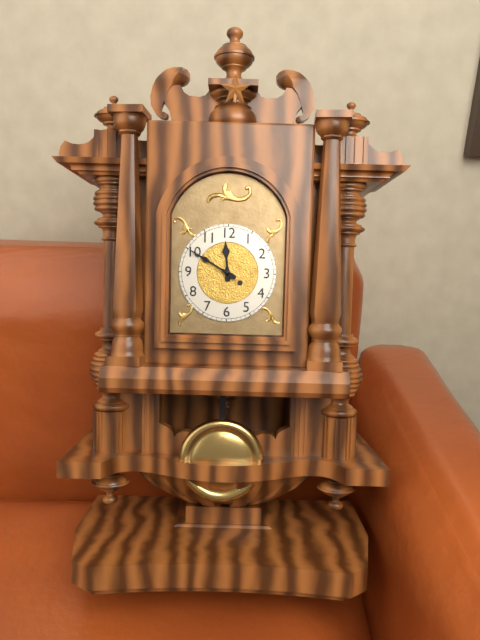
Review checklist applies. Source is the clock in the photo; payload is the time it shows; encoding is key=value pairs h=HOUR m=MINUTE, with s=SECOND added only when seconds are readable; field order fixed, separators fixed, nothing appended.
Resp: h=11 m=50
